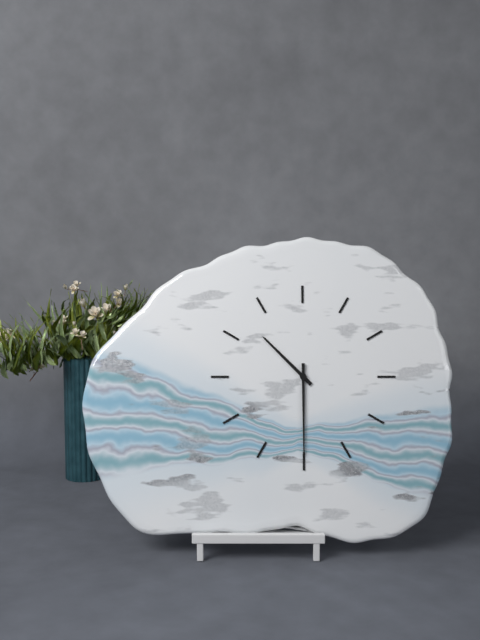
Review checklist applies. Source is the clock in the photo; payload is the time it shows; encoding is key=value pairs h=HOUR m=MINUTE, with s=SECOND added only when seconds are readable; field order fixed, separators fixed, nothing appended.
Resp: h=10 m=30
